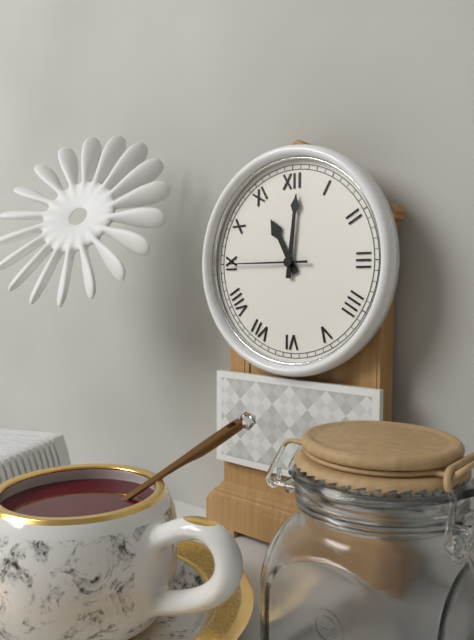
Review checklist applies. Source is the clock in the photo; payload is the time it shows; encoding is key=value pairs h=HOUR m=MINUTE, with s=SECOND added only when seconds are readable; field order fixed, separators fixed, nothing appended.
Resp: h=11 m=1 s=45
